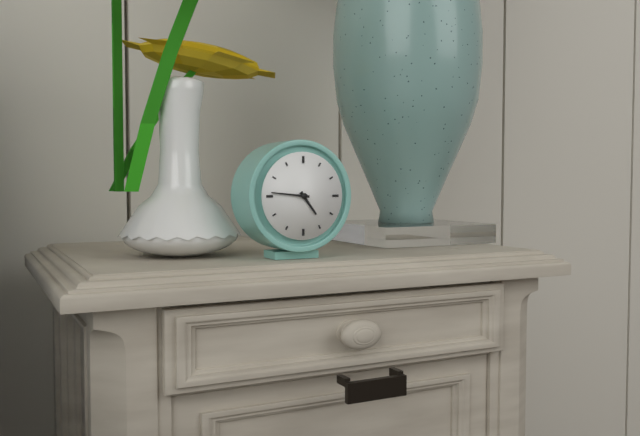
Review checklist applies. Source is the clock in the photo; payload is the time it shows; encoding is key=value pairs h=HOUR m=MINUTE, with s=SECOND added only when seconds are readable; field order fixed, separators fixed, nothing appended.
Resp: h=4 m=46
